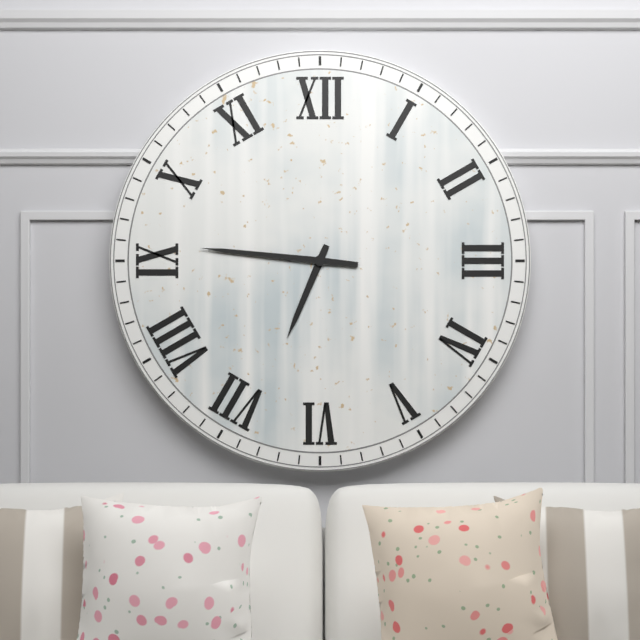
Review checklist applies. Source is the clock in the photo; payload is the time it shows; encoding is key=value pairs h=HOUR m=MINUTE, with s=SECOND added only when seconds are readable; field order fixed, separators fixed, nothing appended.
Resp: h=6 m=46
